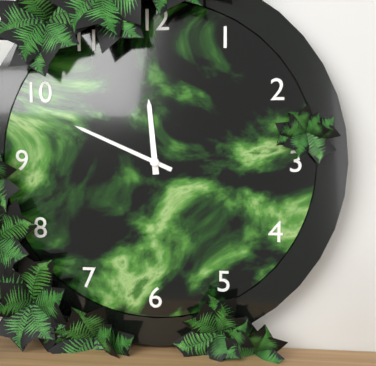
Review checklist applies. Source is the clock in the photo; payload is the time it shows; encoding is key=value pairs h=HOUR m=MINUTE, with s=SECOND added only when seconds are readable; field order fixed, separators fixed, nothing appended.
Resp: h=11 m=49
